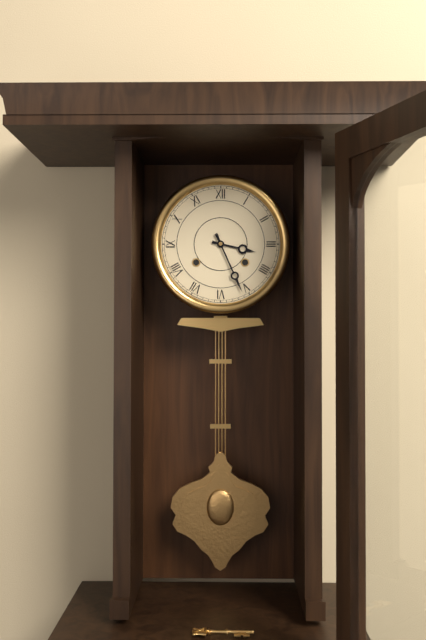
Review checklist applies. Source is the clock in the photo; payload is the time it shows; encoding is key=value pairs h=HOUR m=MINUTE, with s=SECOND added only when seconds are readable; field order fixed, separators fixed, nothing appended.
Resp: h=3 m=26
